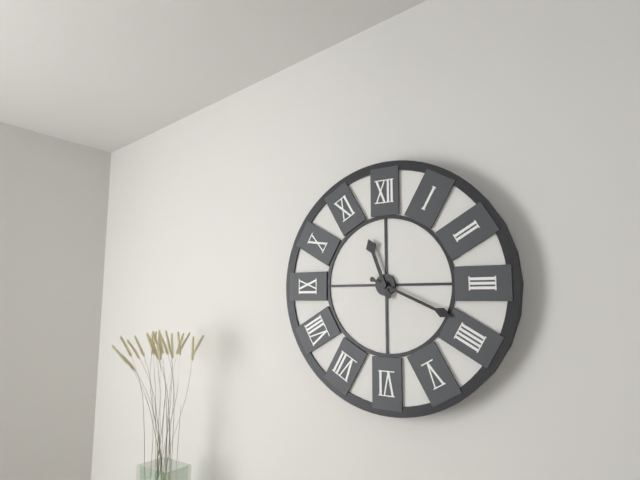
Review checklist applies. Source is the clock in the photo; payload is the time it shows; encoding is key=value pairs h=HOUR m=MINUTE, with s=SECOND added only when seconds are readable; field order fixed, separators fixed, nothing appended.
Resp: h=11 m=19
